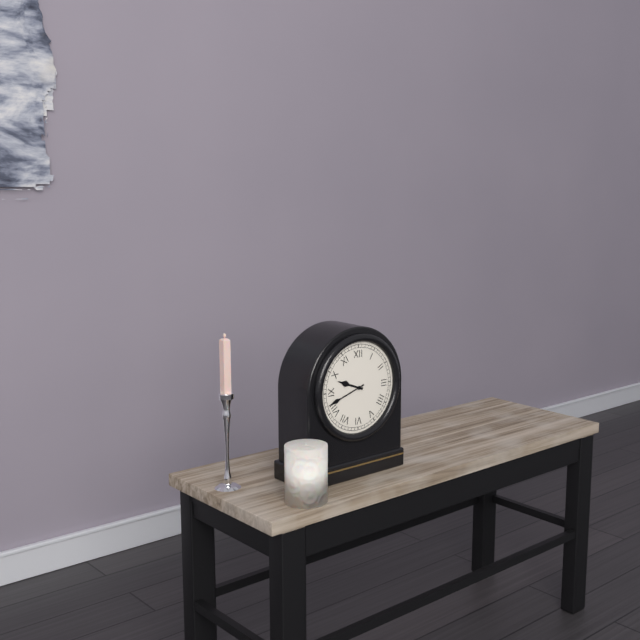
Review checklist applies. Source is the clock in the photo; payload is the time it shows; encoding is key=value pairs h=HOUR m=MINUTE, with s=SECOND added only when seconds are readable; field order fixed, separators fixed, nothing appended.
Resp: h=9 m=42
